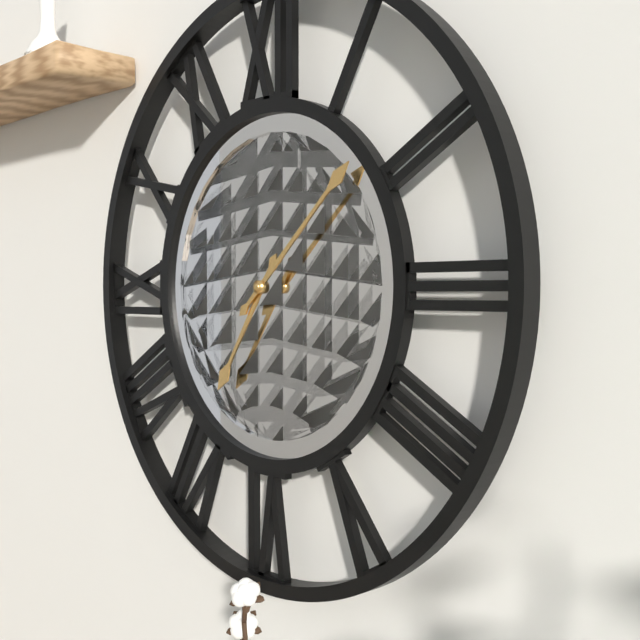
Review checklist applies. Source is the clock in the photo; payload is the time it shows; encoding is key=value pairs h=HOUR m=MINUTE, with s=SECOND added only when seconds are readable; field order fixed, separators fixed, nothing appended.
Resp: h=7 m=8
